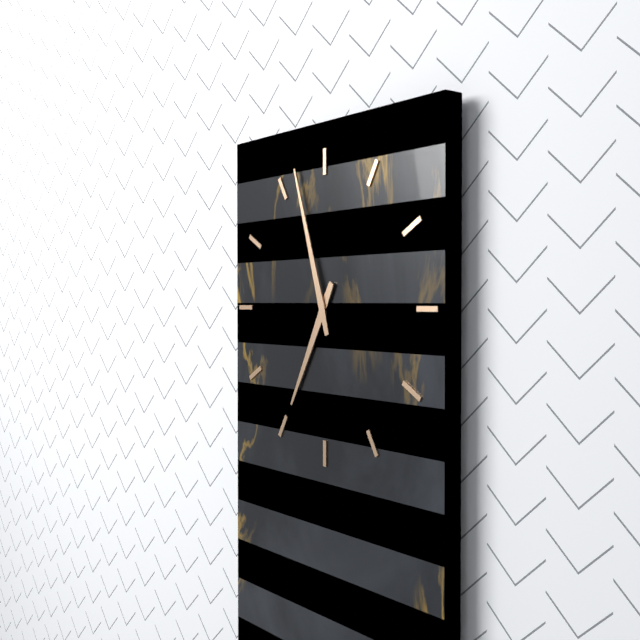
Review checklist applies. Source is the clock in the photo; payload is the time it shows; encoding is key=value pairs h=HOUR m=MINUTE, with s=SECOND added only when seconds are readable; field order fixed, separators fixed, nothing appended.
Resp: h=6 m=57
